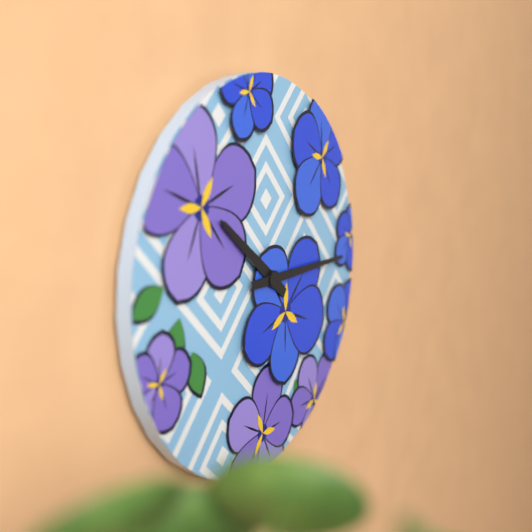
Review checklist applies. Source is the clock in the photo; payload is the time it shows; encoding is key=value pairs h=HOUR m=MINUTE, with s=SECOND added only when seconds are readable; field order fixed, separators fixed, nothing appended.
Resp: h=10 m=15
